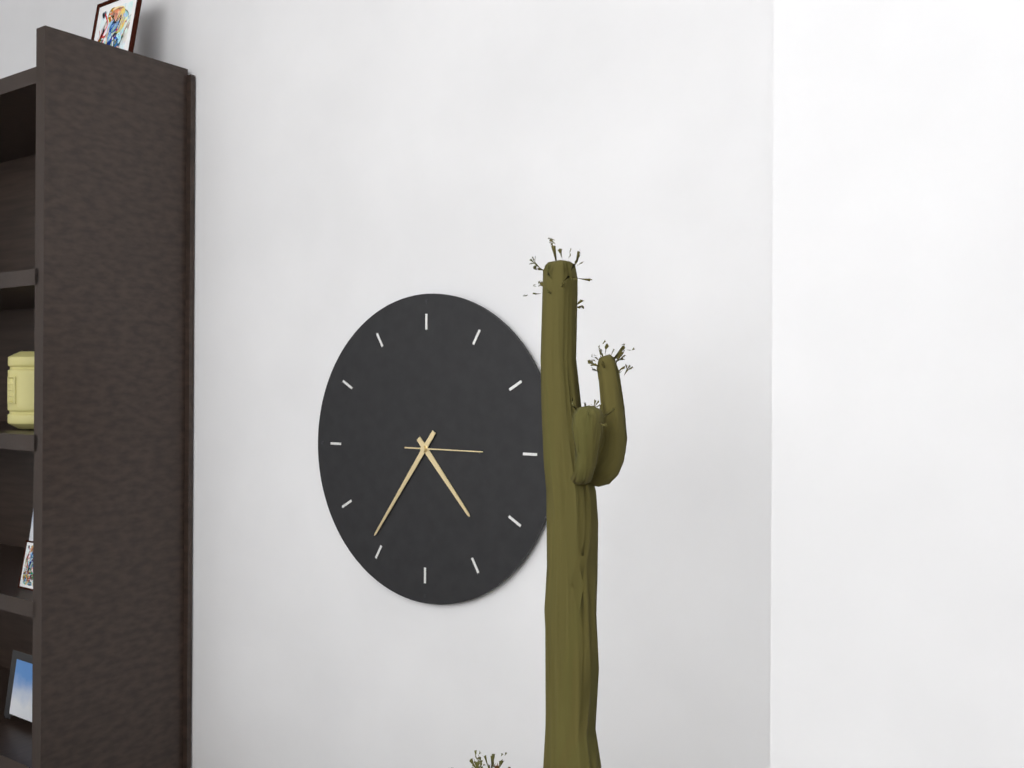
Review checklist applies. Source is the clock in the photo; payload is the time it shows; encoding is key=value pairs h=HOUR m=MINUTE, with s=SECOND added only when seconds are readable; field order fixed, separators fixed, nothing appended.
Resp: h=4 m=36 s=15
